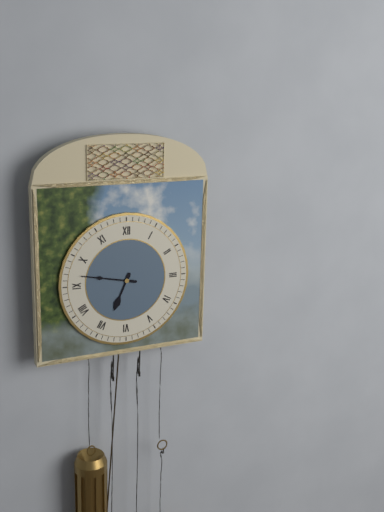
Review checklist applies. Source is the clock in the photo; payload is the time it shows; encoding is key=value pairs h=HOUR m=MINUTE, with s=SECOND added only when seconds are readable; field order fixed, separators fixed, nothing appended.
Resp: h=6 m=47
